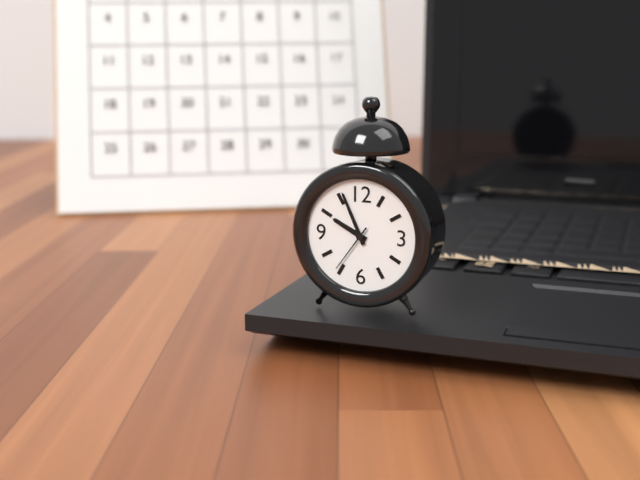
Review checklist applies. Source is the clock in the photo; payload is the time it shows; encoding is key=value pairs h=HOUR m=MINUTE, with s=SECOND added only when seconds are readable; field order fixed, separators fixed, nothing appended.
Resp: h=9 m=56 s=36
